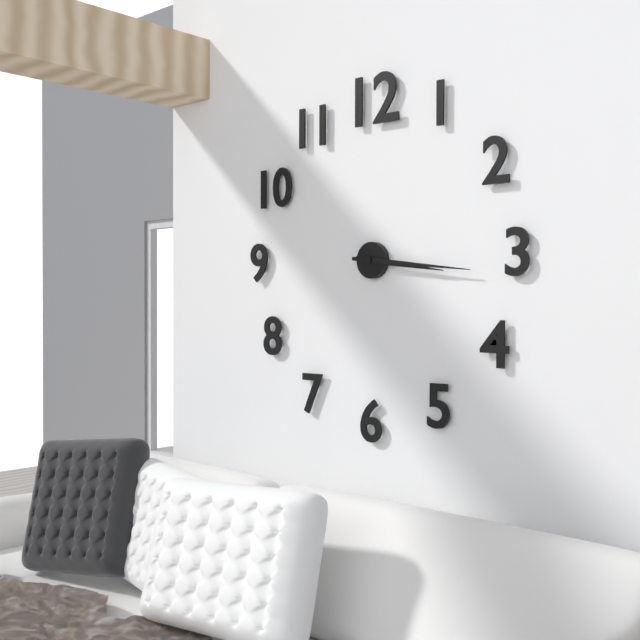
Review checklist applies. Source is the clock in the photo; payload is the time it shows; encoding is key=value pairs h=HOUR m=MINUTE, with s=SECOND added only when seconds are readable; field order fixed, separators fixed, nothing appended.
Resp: h=3 m=16
